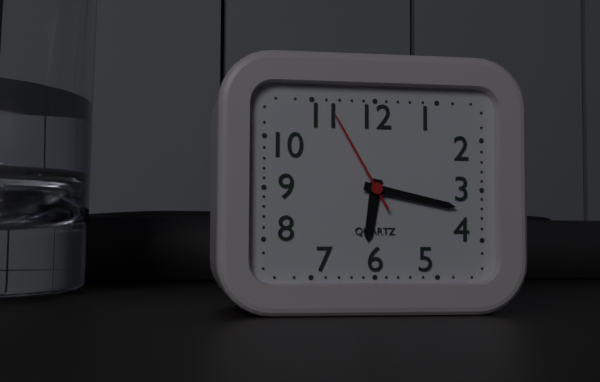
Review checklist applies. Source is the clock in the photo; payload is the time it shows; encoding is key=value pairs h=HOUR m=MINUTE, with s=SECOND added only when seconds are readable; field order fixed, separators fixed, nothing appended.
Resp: h=6 m=17 s=55
